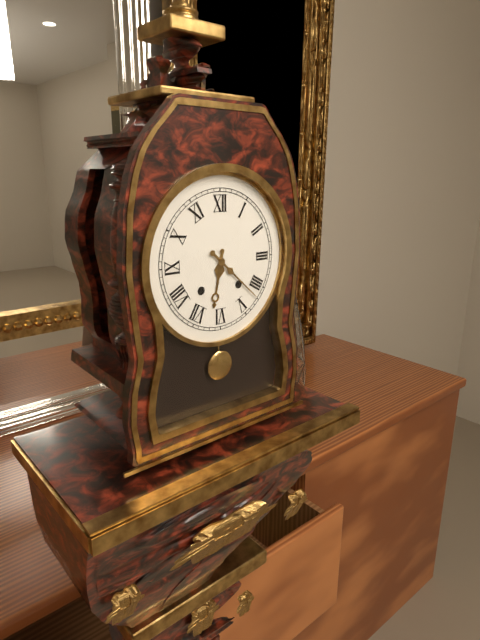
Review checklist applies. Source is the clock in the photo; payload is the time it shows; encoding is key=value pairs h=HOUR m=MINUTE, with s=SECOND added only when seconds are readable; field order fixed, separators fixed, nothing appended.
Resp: h=6 m=22
